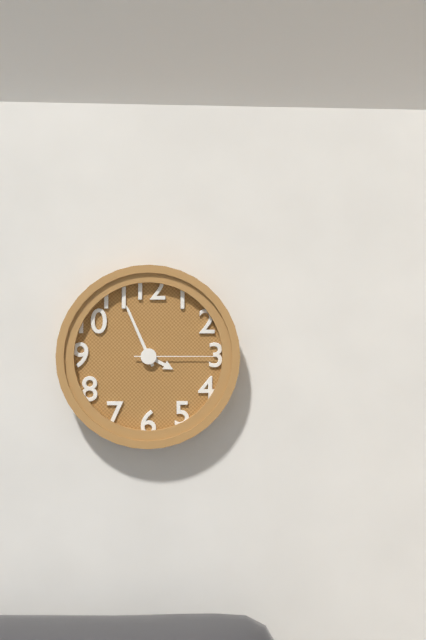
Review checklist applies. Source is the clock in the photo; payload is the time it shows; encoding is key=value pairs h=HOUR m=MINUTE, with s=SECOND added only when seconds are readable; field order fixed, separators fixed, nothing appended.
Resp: h=3 m=56 s=15
